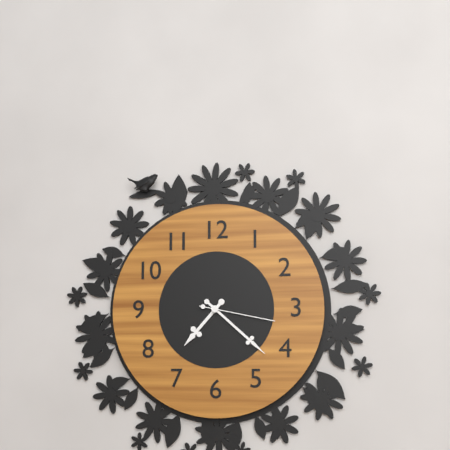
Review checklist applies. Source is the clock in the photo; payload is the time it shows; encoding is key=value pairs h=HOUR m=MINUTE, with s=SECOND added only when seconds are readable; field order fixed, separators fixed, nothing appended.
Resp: h=7 m=22 s=17
